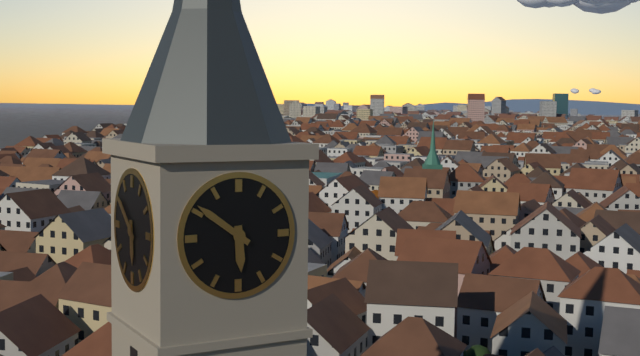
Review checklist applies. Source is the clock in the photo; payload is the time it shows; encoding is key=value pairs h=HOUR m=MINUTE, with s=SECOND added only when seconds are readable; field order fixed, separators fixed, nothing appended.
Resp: h=5 m=51
